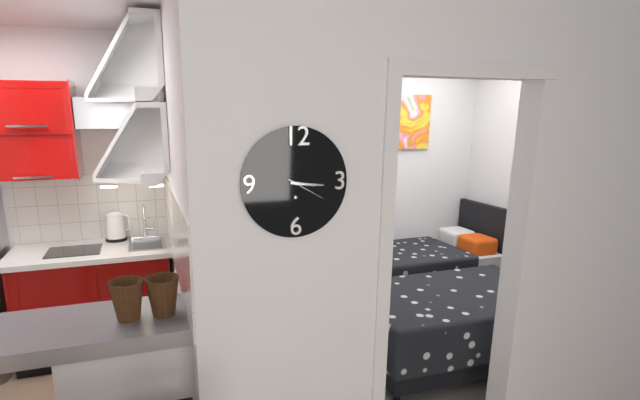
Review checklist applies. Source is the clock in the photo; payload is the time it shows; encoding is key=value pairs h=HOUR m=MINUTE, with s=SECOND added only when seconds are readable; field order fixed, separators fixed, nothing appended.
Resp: h=3 m=16
